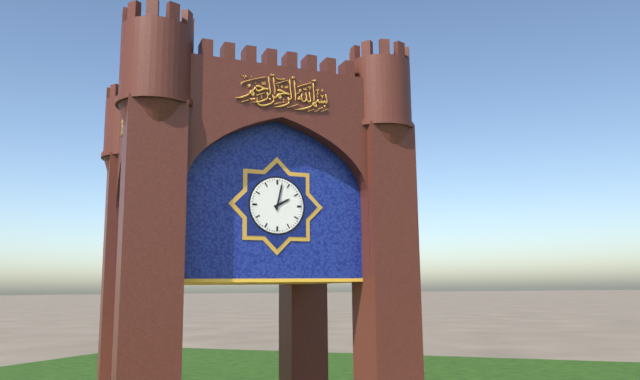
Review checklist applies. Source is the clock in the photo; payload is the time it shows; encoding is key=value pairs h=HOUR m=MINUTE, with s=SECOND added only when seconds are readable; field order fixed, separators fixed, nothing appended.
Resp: h=2 m=2
